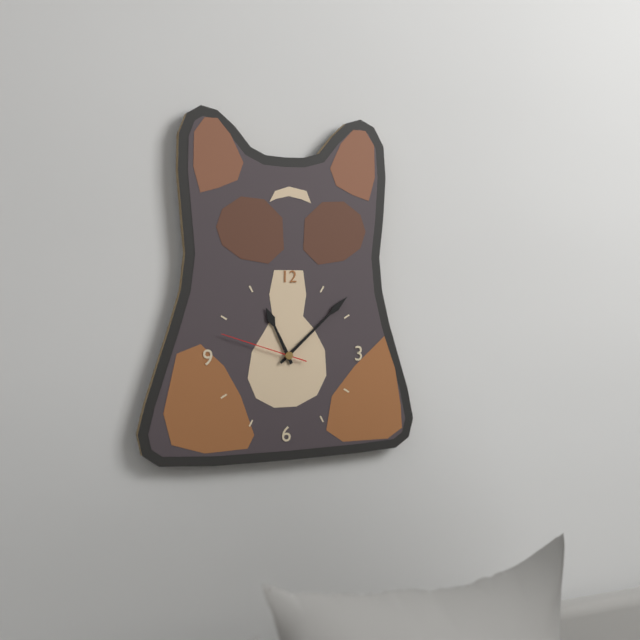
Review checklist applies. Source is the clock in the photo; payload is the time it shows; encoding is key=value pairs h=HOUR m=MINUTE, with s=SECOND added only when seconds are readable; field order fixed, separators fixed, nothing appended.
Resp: h=11 m=8 s=48
